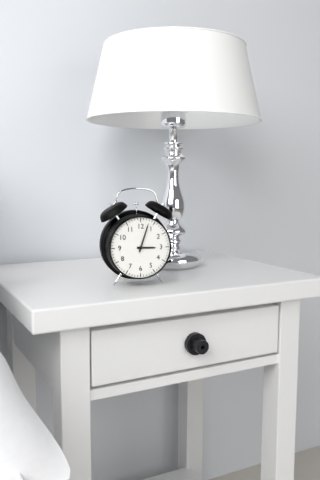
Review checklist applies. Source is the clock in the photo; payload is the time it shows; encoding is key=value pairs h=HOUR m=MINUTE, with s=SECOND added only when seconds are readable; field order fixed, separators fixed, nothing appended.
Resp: h=3 m=3
